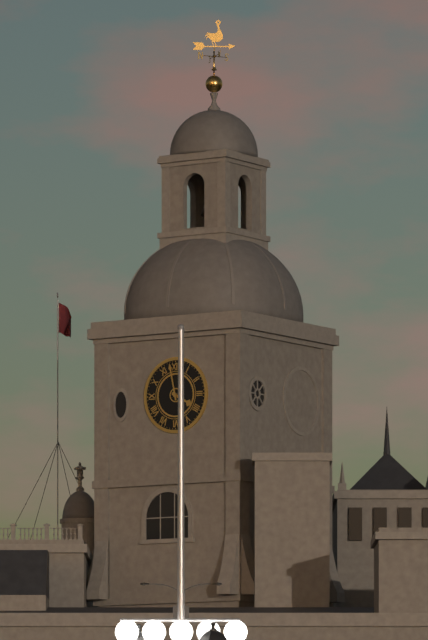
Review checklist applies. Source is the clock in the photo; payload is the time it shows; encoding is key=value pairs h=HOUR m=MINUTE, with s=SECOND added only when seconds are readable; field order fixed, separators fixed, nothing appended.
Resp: h=3 m=58
